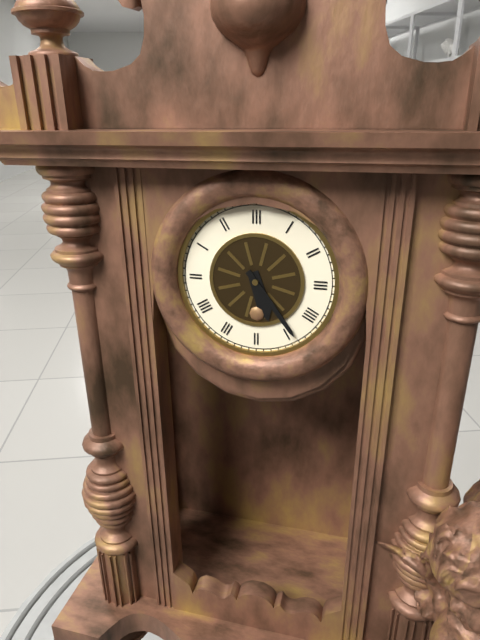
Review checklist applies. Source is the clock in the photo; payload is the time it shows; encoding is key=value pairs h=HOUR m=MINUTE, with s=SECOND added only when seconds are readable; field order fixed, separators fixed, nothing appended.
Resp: h=5 m=24
